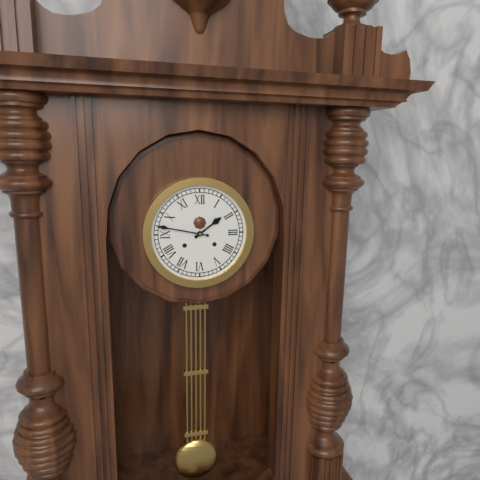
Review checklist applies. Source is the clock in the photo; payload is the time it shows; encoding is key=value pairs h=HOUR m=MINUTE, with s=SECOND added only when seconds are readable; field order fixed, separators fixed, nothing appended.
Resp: h=1 m=47
